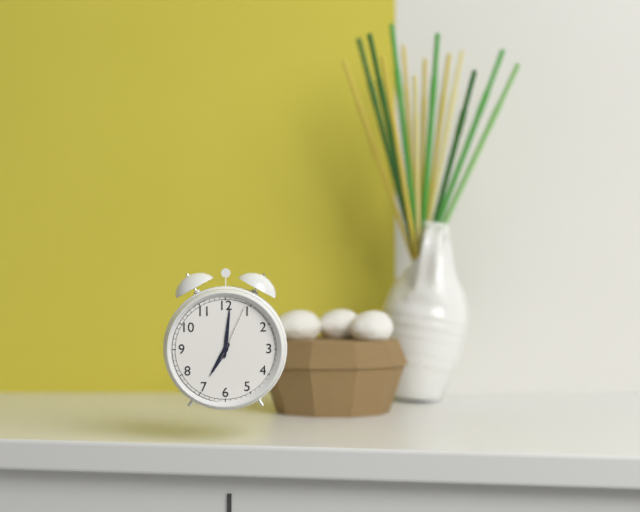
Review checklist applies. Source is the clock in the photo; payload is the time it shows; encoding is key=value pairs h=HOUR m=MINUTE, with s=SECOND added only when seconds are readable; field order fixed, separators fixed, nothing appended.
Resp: h=7 m=1 s=4
